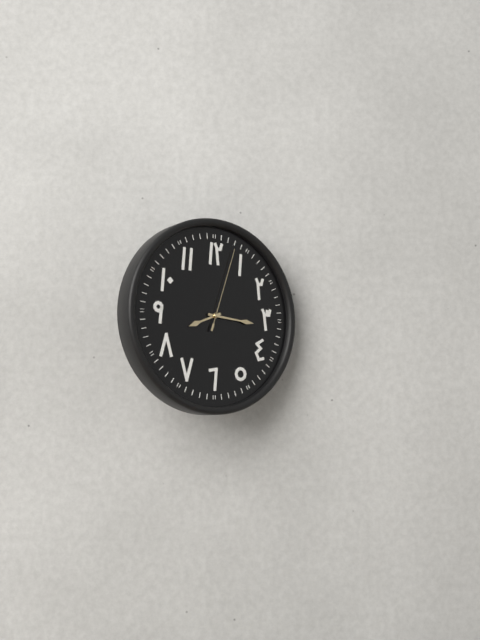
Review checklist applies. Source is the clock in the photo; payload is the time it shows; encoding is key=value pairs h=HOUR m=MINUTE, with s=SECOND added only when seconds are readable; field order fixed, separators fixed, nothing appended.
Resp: h=8 m=16 s=3
